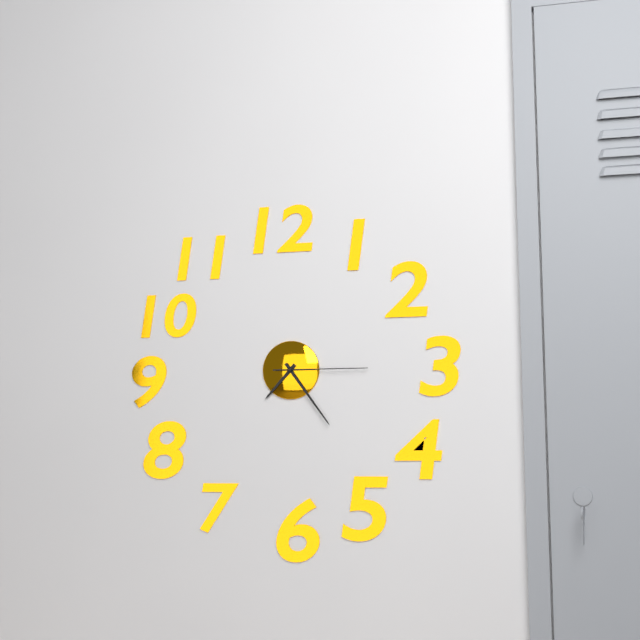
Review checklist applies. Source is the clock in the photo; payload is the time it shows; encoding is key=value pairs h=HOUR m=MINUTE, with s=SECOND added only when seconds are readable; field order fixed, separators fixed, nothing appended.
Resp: h=7 m=24 s=15
